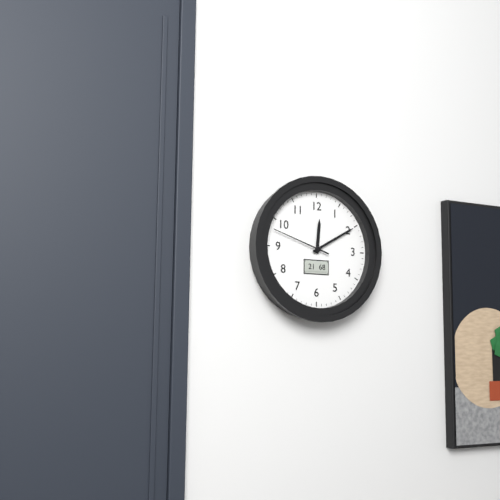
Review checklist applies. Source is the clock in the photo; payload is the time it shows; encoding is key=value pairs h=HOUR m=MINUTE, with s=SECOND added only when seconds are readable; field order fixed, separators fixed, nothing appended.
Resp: h=12 m=10 s=48
